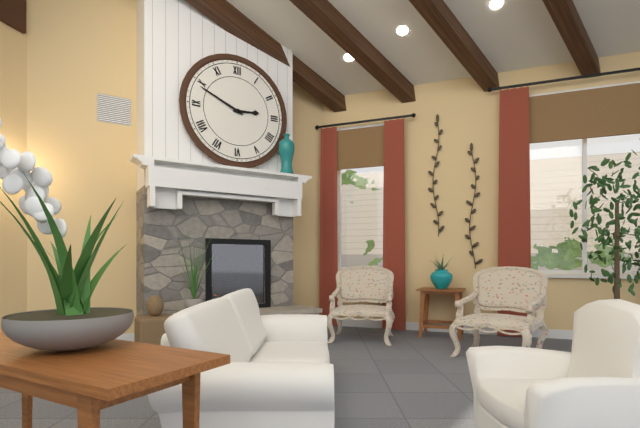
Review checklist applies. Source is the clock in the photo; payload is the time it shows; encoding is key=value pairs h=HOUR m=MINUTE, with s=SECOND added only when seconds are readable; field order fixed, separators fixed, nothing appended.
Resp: h=2 m=49
